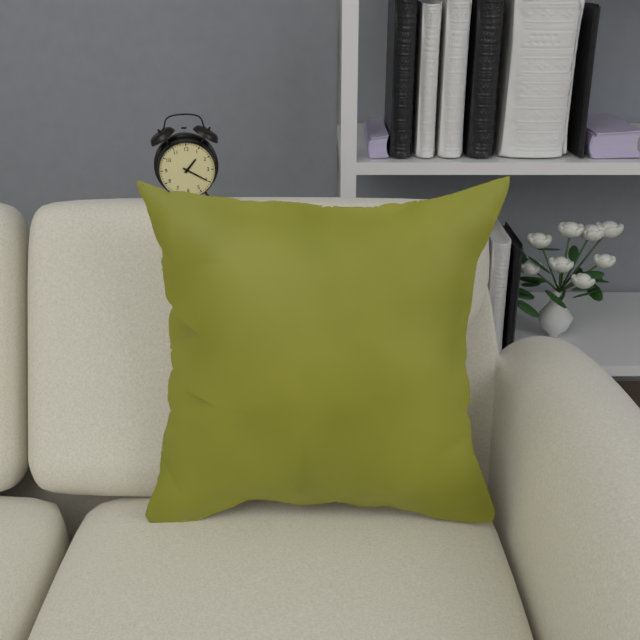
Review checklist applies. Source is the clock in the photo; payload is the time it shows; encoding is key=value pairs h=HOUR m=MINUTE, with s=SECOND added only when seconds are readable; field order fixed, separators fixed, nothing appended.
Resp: h=1 m=20
